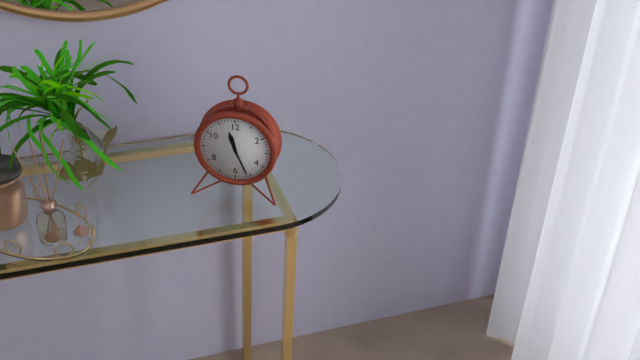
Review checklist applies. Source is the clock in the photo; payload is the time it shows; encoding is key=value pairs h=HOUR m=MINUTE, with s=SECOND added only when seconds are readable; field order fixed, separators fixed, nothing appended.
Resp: h=11 m=26
